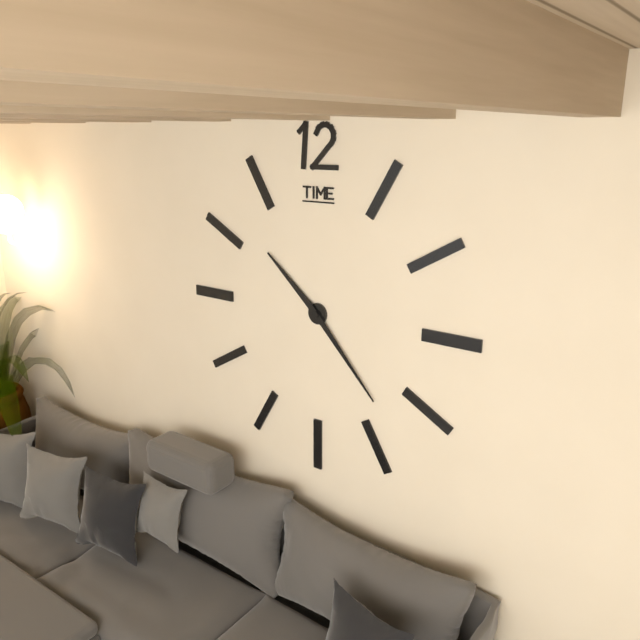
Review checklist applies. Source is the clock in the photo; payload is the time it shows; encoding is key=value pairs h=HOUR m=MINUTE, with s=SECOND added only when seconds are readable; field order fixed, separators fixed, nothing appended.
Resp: h=10 m=23
